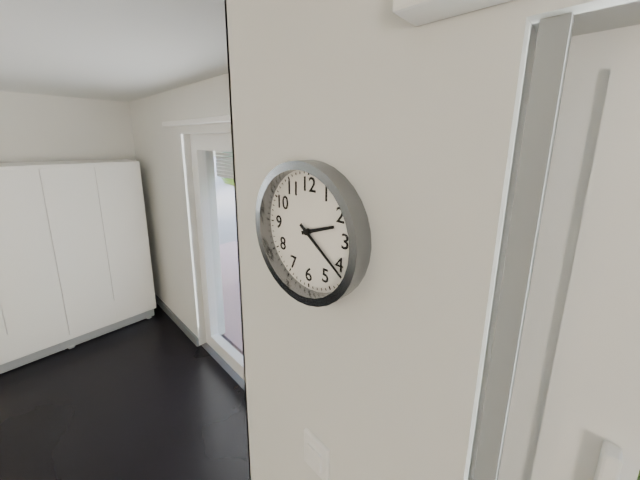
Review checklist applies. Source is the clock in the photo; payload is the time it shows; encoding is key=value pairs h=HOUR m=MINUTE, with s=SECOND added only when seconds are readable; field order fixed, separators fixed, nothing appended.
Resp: h=2 m=21
